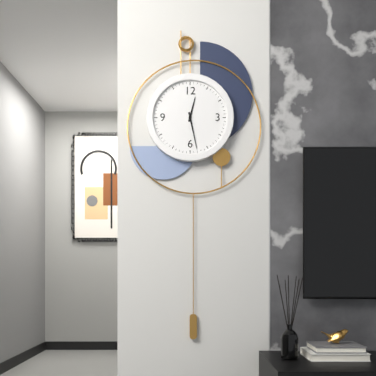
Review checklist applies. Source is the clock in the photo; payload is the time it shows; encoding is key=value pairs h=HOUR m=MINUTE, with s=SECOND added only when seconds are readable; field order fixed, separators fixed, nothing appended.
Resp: h=12 m=28
